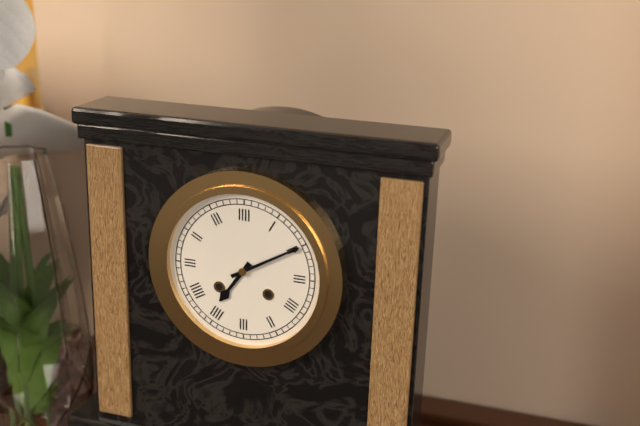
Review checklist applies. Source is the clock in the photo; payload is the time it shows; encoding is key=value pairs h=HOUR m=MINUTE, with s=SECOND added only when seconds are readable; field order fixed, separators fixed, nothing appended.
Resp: h=7 m=10
